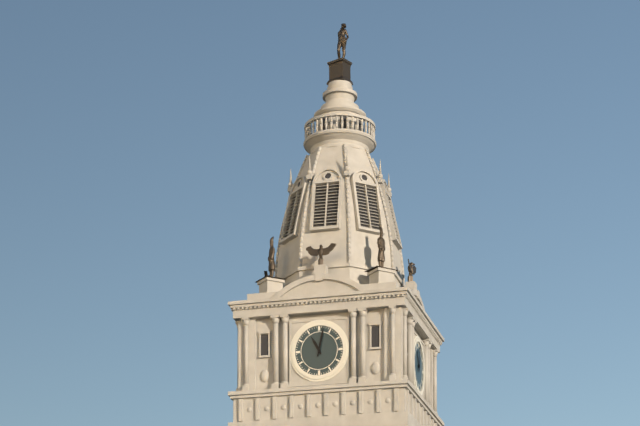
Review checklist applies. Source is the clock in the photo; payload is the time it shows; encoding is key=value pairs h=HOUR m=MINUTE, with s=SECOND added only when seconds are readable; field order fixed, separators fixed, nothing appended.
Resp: h=11 m=2
